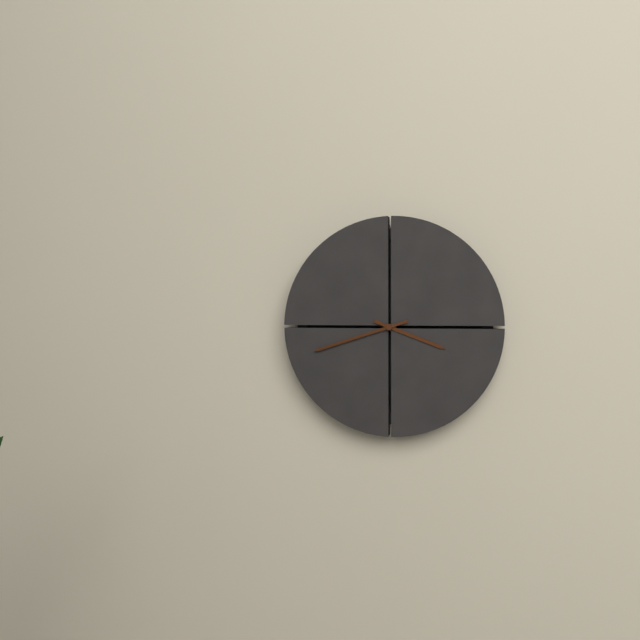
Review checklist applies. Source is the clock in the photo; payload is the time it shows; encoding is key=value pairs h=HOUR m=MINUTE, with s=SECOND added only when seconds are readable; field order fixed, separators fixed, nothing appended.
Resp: h=3 m=42
